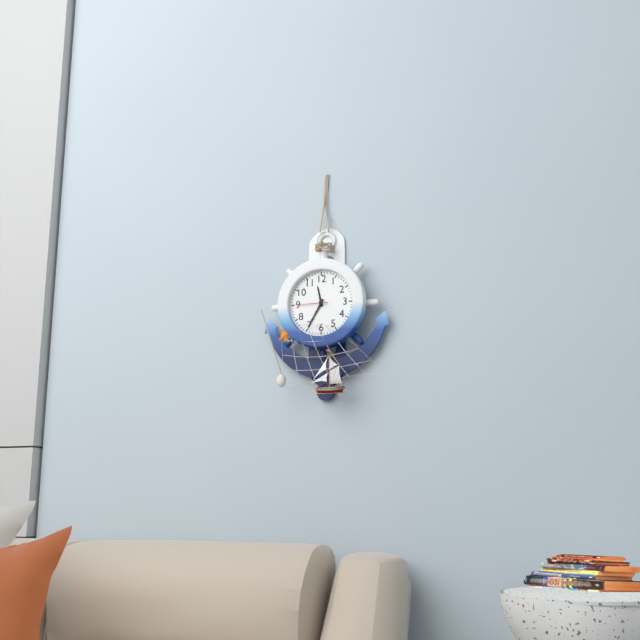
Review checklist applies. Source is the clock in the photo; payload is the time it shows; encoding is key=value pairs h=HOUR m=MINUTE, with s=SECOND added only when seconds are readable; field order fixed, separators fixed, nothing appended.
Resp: h=11 m=35
